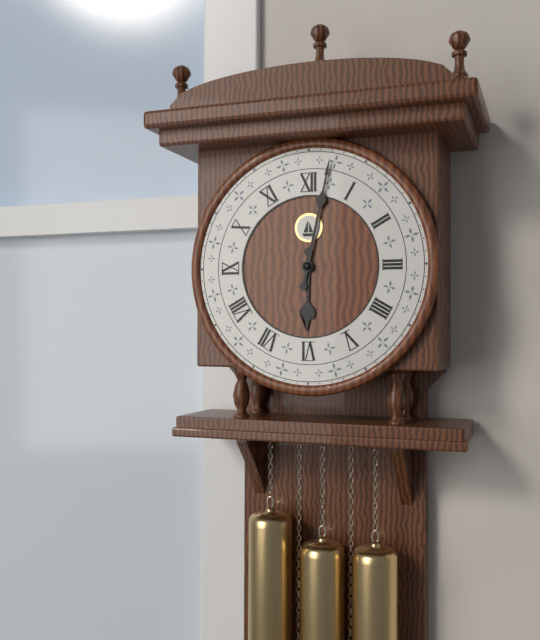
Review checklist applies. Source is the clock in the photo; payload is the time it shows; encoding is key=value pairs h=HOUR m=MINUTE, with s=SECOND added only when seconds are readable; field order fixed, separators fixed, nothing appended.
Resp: h=6 m=2
